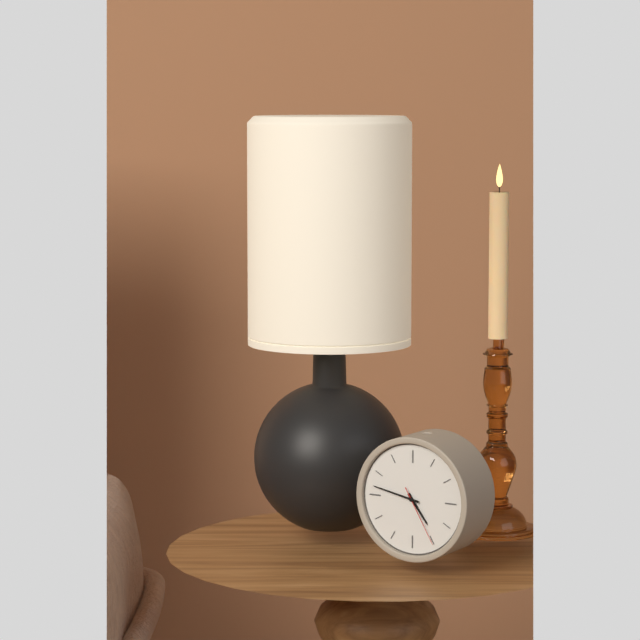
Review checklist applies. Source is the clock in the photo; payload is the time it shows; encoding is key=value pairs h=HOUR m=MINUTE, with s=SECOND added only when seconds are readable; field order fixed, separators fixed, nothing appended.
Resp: h=4 m=47 s=25
